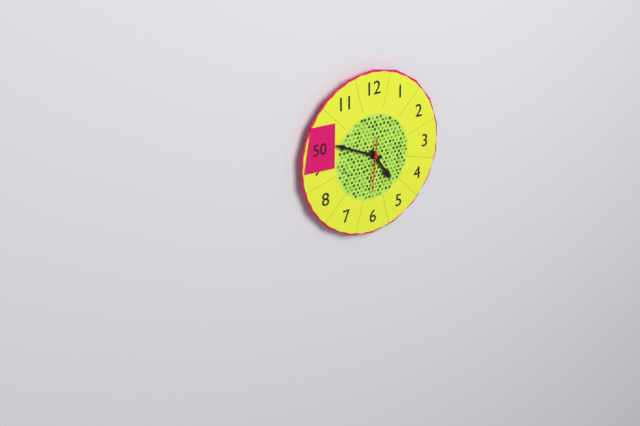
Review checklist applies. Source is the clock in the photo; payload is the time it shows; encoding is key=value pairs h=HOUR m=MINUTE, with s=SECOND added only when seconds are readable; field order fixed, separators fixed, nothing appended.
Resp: h=4 m=49
